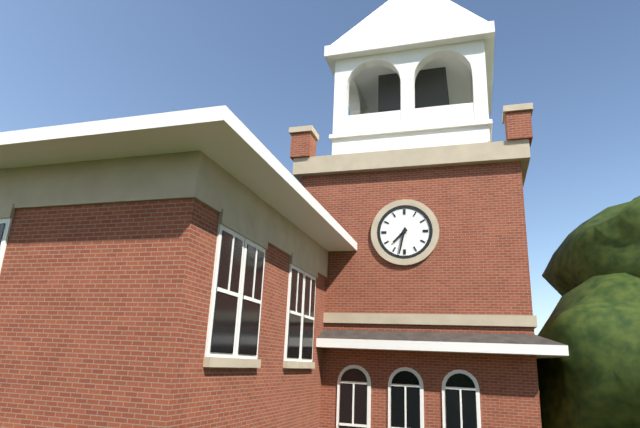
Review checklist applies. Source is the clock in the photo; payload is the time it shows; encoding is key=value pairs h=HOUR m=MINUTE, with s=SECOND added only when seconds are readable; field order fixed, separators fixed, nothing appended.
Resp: h=7 m=32
